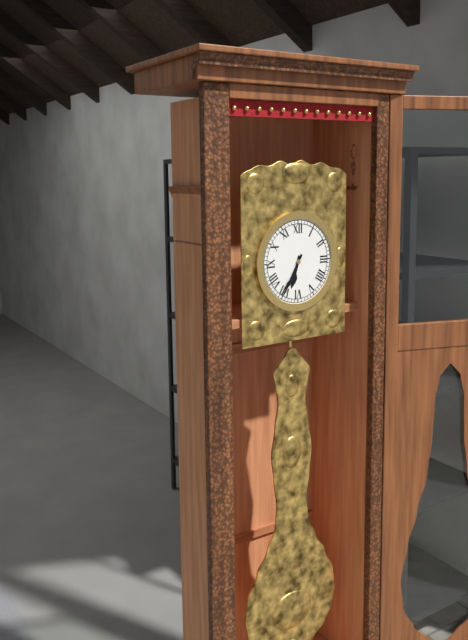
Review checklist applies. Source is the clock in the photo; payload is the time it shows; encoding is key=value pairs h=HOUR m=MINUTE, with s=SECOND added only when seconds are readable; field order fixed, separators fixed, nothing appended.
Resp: h=6 m=35
